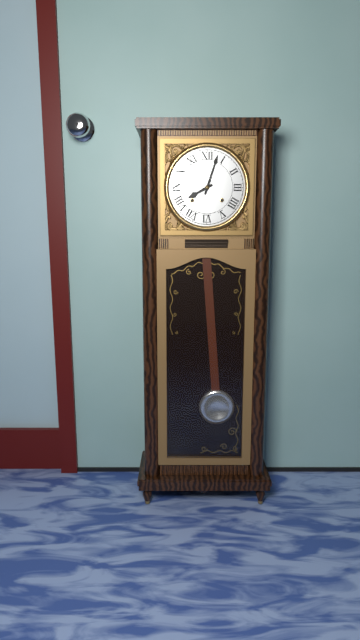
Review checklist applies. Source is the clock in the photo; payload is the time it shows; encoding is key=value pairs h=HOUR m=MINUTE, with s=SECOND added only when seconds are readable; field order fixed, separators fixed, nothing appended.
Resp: h=8 m=3
